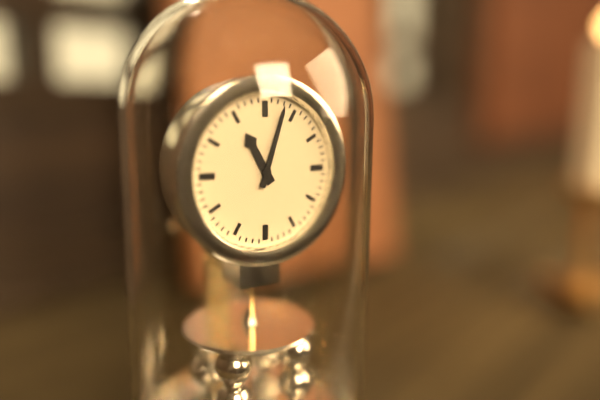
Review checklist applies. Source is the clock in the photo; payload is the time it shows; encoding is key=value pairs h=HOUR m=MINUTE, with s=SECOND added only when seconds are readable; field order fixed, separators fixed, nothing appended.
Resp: h=11 m=3
